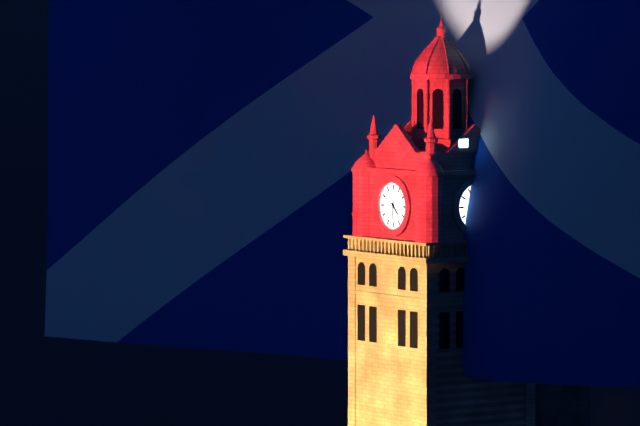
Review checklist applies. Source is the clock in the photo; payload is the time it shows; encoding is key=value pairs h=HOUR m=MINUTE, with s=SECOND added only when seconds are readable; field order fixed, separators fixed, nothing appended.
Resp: h=4 m=31
